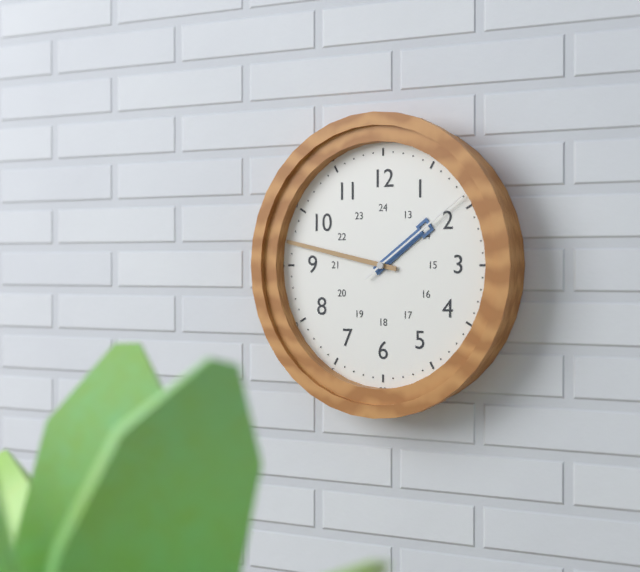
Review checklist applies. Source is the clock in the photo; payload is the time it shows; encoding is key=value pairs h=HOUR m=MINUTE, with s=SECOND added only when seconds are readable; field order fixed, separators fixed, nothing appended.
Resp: h=1 m=47 s=9
